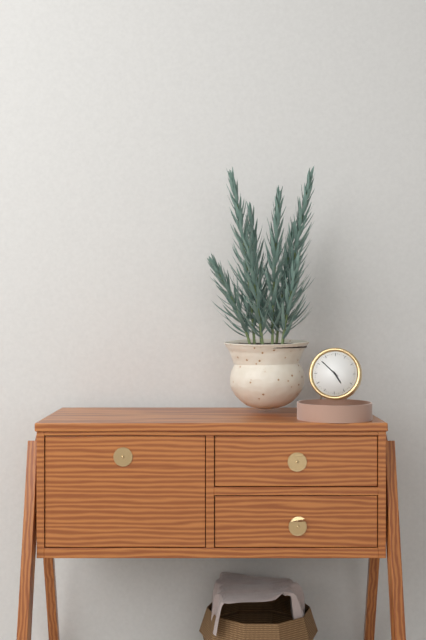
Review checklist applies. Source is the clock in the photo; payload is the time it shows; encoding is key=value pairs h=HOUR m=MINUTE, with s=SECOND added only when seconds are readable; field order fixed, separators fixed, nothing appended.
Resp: h=4 m=52
